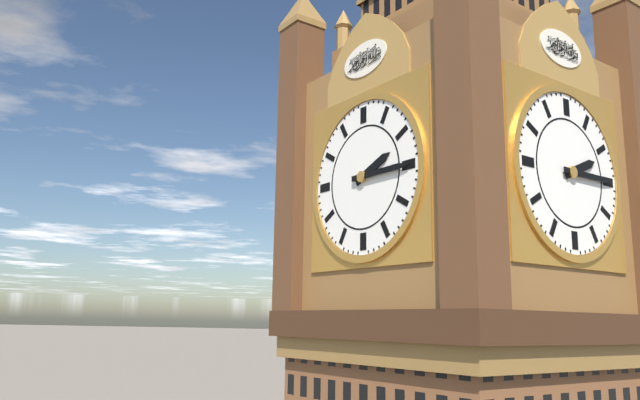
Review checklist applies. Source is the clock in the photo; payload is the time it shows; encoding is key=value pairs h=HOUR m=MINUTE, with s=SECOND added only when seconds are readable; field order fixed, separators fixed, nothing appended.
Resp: h=2 m=15
